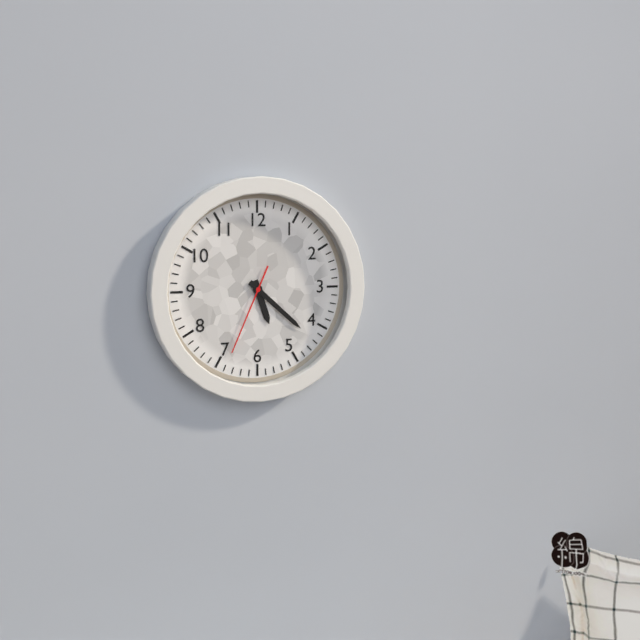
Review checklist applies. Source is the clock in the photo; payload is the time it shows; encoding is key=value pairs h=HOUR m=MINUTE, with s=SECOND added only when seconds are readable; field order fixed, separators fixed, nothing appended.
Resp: h=5 m=22 s=34
